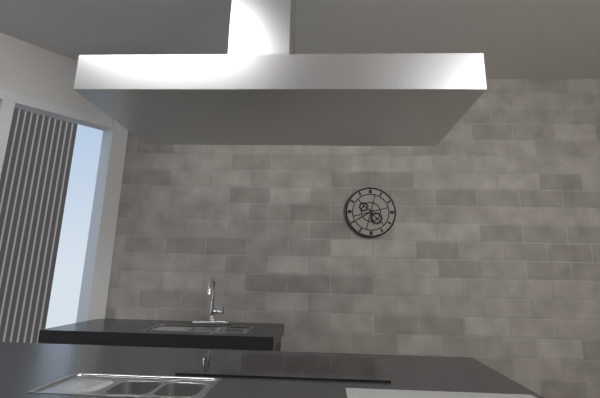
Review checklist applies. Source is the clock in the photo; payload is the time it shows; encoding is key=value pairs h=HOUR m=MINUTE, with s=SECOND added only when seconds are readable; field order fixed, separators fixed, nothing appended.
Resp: h=5 m=40
